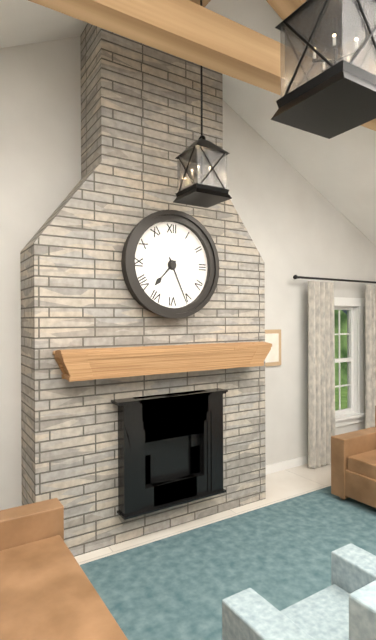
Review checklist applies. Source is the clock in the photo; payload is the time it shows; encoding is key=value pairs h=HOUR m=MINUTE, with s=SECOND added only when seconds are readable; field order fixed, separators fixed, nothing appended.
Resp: h=7 m=26
